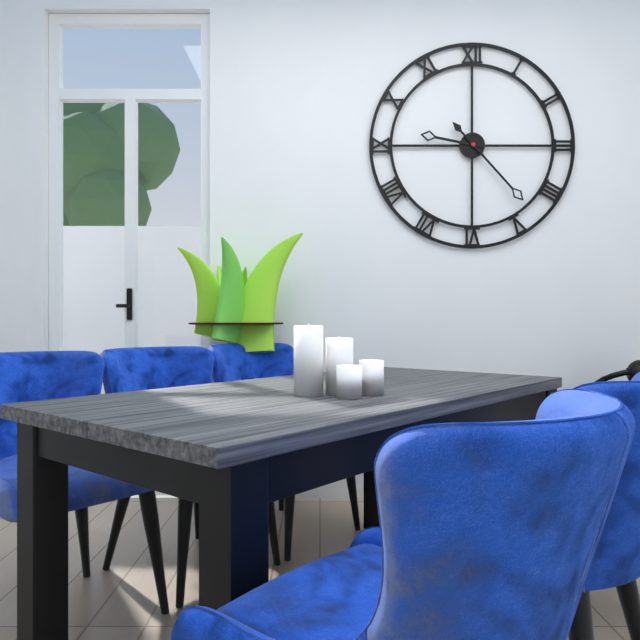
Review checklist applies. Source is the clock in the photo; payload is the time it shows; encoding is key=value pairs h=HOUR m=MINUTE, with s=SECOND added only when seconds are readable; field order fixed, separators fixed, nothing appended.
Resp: h=9 m=23
